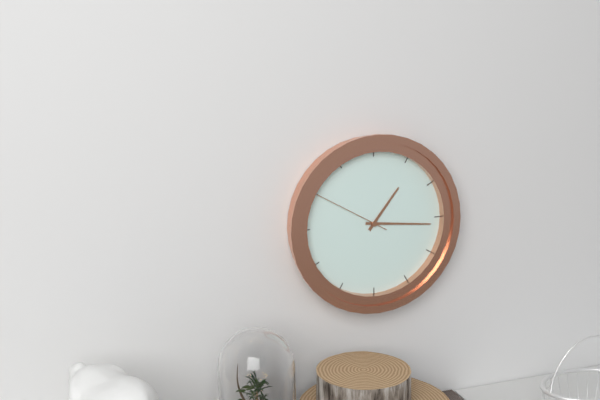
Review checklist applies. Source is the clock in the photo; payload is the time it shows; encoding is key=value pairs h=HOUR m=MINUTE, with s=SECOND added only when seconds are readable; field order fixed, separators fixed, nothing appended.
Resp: h=1 m=16 s=50
